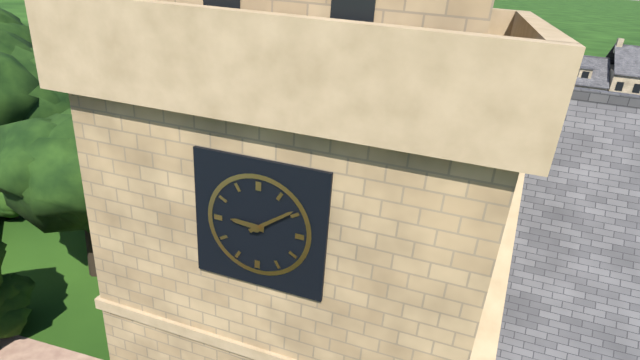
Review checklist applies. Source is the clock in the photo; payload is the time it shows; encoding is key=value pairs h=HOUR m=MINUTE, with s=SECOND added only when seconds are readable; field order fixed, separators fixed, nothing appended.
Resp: h=9 m=9
